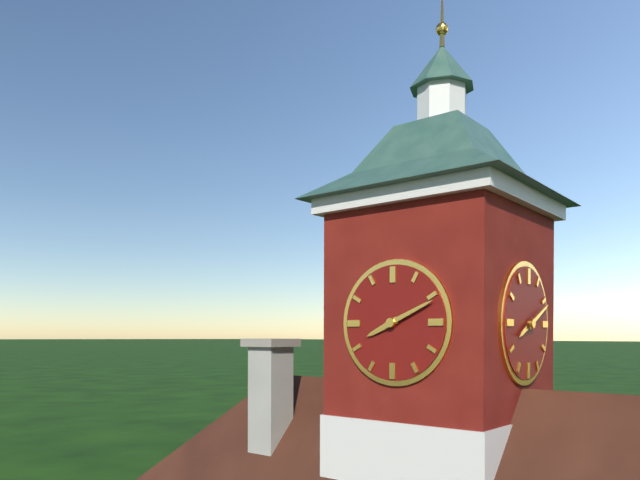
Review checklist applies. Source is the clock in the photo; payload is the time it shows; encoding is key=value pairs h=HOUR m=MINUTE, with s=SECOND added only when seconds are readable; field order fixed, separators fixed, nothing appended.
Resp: h=8 m=11
